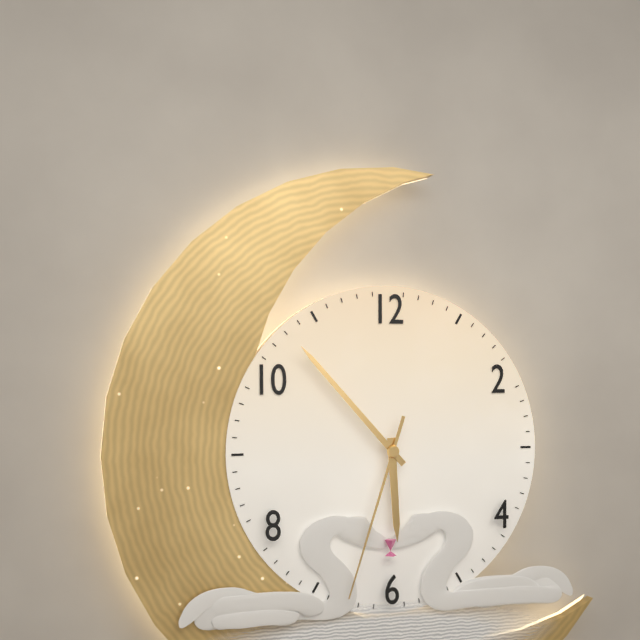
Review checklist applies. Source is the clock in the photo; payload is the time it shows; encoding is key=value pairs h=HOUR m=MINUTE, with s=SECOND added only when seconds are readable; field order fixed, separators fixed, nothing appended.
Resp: h=5 m=53 s=33
